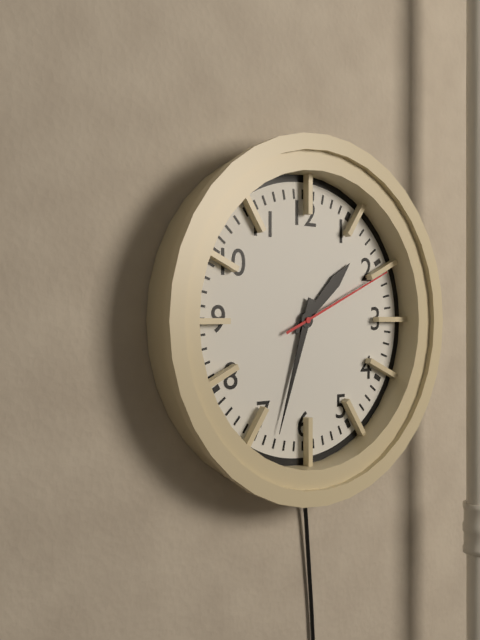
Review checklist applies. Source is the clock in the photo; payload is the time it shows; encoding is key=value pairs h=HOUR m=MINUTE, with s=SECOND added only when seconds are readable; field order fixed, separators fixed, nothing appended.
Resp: h=1 m=33 s=11
